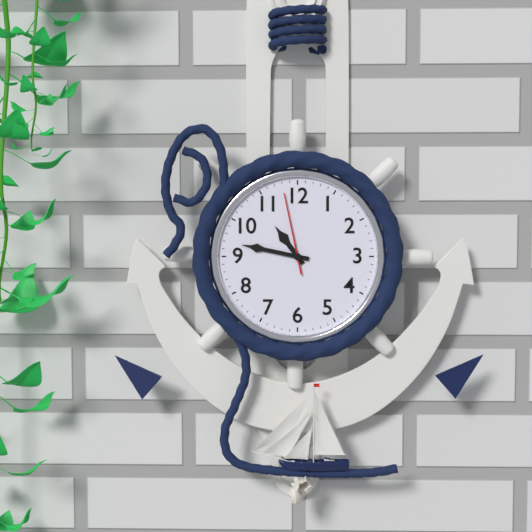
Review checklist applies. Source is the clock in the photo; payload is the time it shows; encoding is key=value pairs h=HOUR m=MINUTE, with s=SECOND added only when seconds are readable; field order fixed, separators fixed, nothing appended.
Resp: h=10 m=47 s=58
